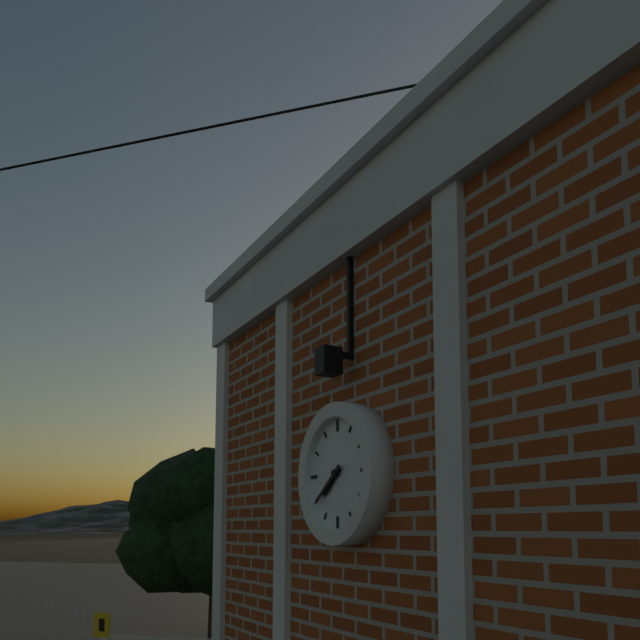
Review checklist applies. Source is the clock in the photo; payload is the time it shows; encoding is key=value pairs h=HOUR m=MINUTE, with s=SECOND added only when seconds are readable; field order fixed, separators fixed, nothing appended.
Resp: h=7 m=39
